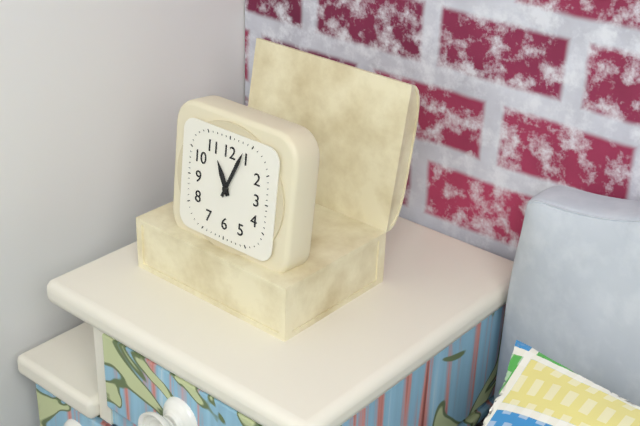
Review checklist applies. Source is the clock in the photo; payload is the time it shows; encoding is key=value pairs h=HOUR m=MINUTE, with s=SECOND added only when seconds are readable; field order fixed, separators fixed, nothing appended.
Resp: h=11 m=4
